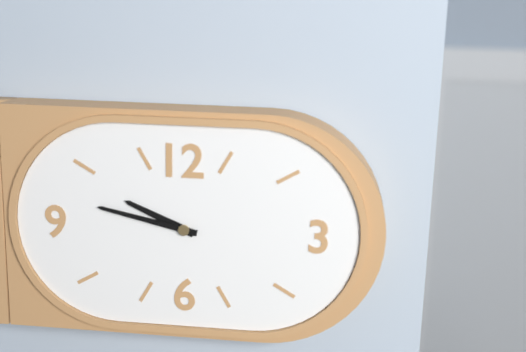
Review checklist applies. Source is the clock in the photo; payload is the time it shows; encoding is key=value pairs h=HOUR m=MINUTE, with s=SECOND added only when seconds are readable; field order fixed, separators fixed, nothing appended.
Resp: h=9 m=47
